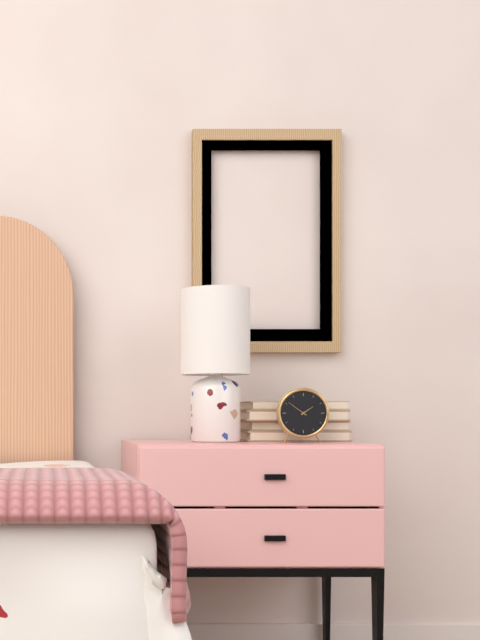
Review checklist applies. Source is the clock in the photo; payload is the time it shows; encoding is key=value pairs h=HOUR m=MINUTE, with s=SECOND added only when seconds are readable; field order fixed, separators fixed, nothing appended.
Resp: h=1 m=51
